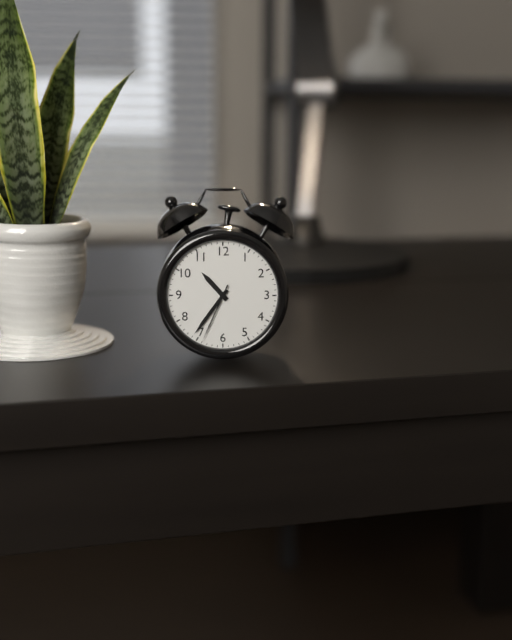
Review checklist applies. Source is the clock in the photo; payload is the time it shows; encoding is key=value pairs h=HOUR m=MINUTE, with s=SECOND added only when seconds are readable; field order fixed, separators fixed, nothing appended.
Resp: h=10 m=36 s=34
